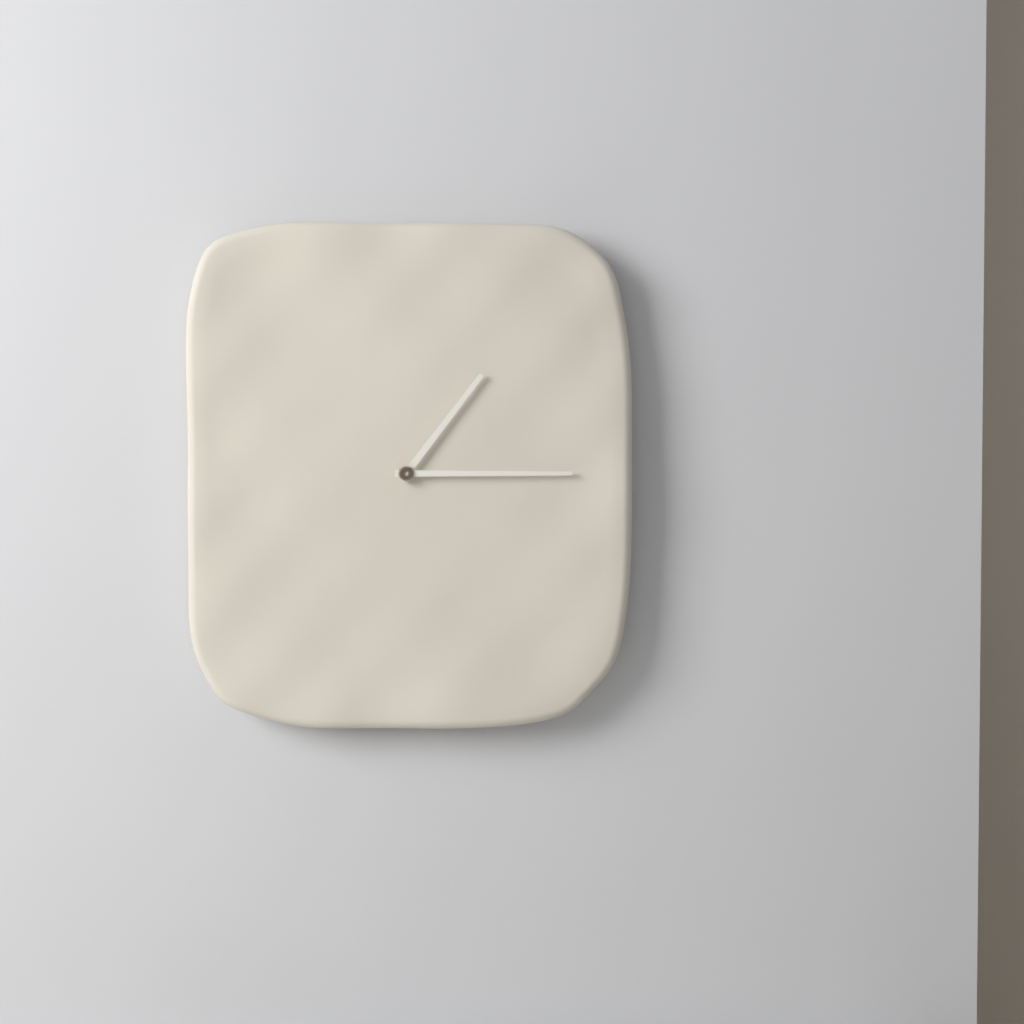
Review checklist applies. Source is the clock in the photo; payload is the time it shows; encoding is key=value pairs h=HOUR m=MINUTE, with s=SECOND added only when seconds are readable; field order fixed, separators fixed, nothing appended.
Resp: h=1 m=15
